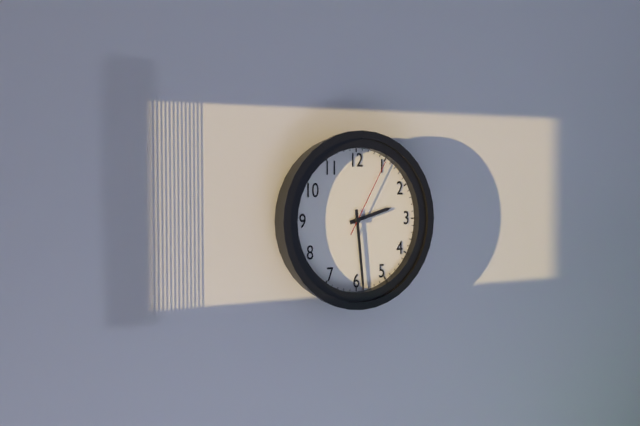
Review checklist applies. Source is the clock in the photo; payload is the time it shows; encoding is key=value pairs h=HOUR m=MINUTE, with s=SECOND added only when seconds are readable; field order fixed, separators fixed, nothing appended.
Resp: h=2 m=29 s=5
